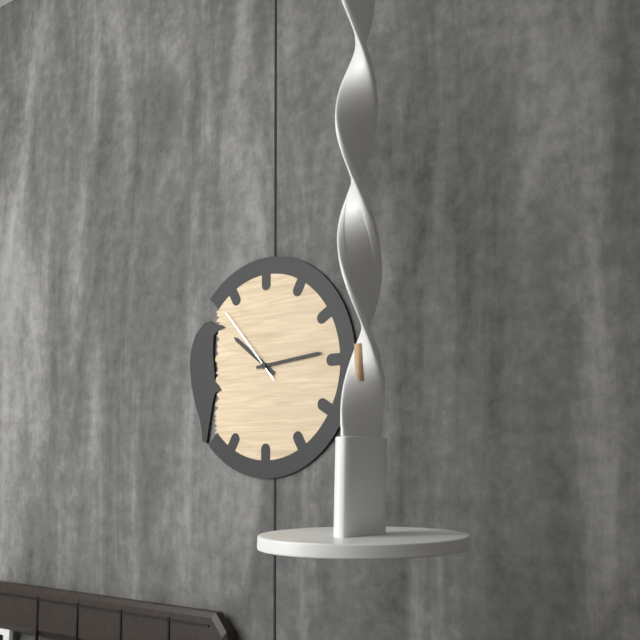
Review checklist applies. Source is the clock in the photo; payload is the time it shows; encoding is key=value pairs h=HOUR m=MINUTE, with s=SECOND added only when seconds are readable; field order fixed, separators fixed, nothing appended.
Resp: h=10 m=14 s=53
